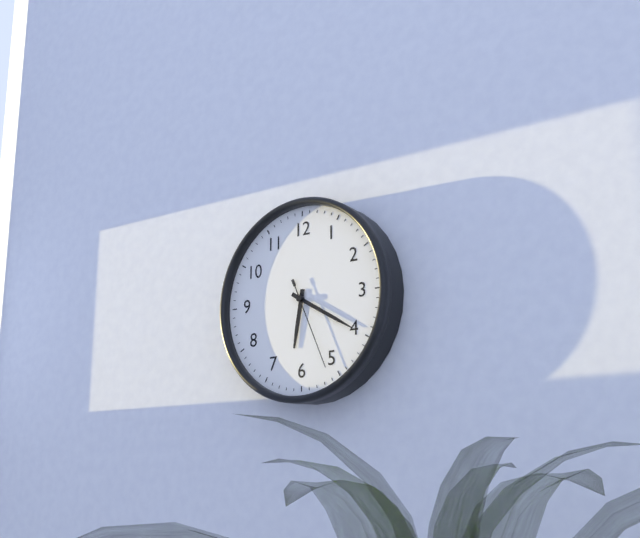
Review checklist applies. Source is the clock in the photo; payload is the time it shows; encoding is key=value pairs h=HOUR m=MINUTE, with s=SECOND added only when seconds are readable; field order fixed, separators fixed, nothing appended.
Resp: h=6 m=20 s=26
